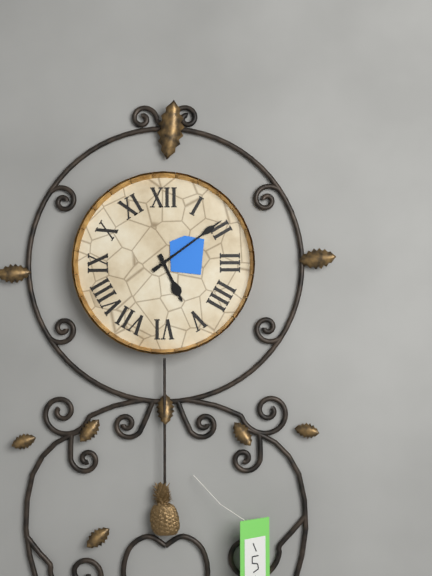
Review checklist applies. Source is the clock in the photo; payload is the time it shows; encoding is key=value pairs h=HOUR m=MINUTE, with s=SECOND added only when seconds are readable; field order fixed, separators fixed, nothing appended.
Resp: h=5 m=9
